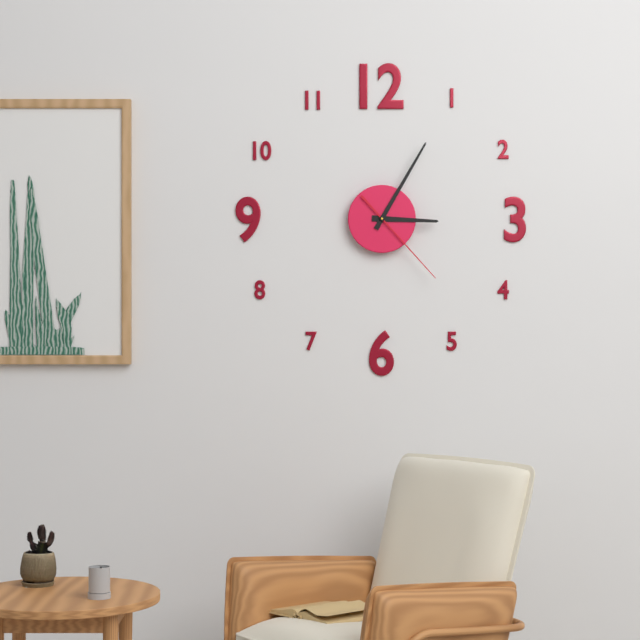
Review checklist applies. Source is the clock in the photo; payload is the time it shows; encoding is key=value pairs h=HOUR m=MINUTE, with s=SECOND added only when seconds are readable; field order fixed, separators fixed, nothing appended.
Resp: h=3 m=5 s=23
